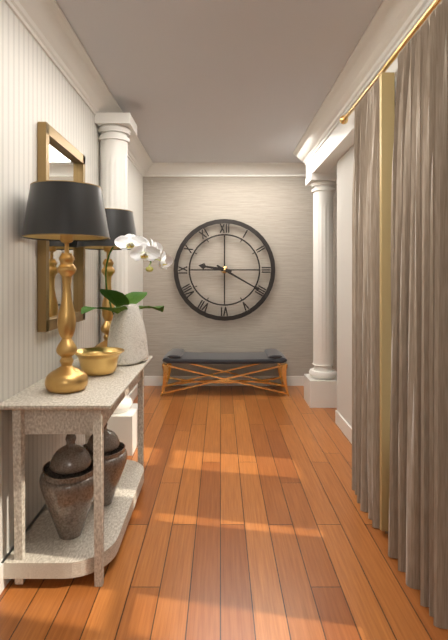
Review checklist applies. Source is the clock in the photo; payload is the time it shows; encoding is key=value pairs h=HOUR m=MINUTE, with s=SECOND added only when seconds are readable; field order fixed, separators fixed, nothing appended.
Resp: h=9 m=20
